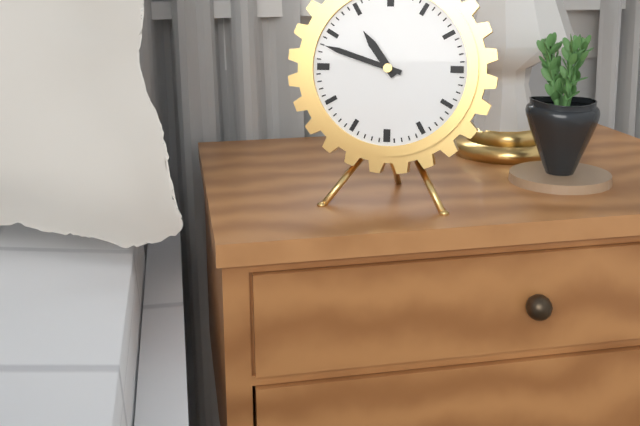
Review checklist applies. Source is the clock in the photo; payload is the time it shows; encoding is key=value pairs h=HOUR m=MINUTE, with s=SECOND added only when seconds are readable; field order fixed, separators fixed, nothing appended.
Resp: h=10 m=48
